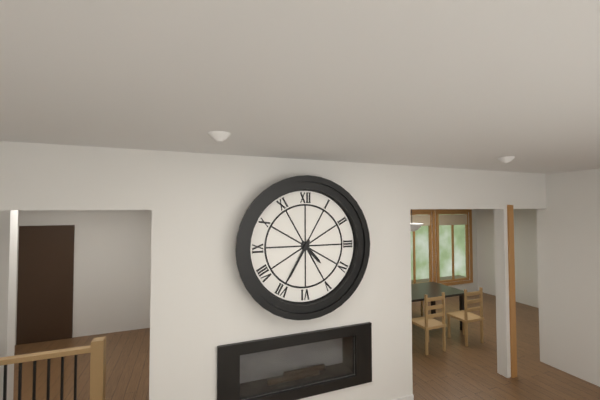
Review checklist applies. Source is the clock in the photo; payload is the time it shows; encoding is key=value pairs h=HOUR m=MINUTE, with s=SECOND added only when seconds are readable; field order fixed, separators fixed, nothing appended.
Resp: h=4 m=35
